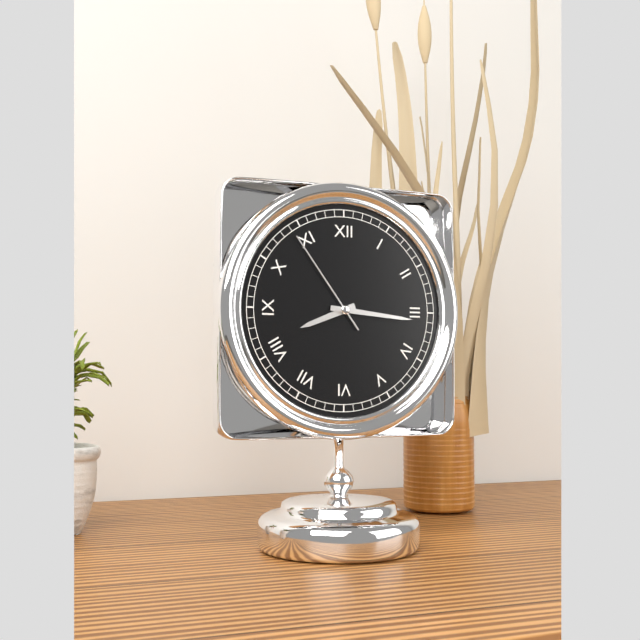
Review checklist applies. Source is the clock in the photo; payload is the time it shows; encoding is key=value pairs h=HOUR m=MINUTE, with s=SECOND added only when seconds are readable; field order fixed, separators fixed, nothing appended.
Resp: h=8 m=16 s=54
